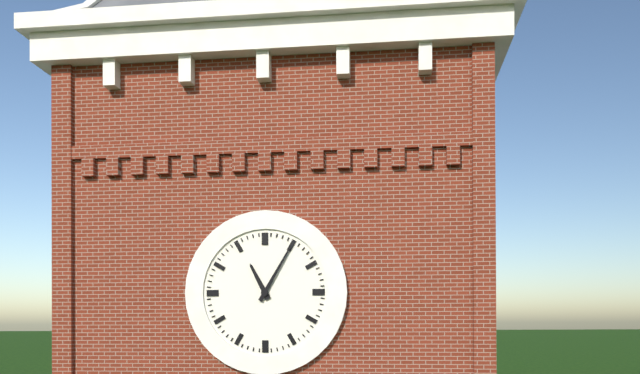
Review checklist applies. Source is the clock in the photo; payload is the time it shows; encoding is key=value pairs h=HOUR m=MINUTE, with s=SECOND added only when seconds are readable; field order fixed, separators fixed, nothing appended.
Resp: h=11 m=5
